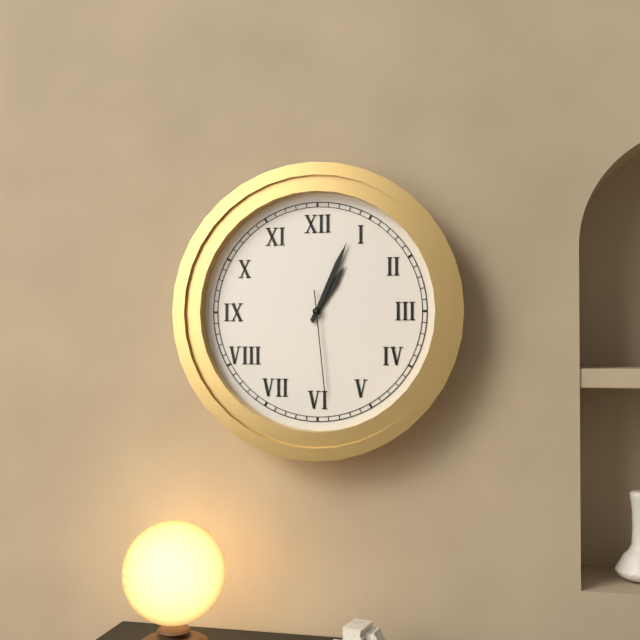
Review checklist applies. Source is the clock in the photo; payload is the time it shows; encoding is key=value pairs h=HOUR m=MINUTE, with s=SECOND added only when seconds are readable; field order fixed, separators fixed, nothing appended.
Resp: h=1 m=4 s=29
